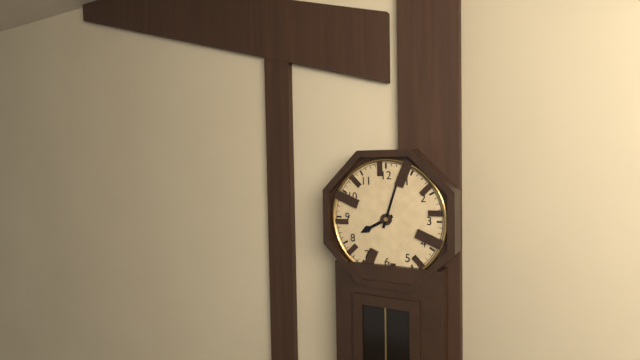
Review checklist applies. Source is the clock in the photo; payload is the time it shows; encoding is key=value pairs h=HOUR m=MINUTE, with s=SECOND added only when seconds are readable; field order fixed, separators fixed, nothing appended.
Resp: h=8 m=3
